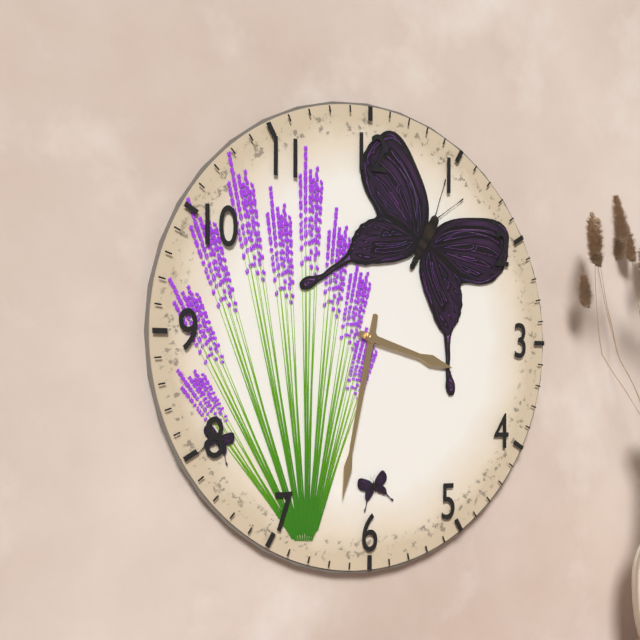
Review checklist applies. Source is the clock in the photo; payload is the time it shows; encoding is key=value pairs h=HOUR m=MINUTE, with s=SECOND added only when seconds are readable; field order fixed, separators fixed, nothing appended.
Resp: h=3 m=32
